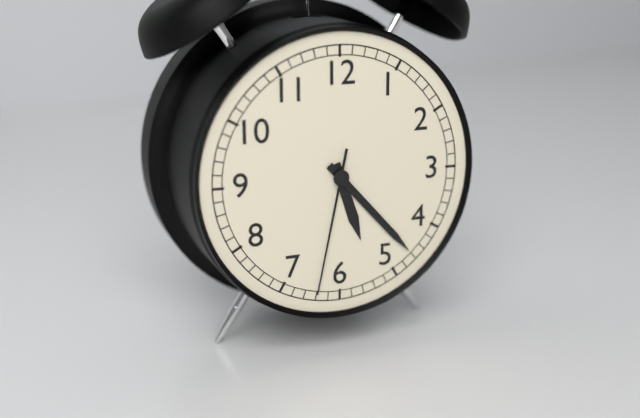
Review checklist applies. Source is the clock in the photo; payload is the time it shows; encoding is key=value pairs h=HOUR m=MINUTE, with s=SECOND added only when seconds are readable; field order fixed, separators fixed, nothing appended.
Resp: h=5 m=23 s=32
